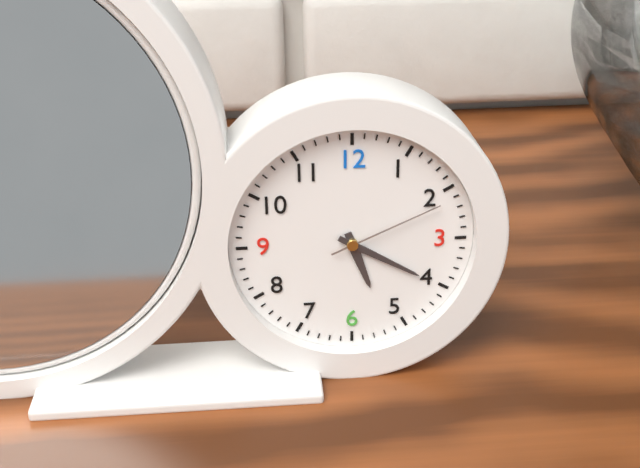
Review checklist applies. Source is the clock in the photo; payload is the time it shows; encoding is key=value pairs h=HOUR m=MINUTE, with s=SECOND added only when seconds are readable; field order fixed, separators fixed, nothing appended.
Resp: h=5 m=20 s=11
